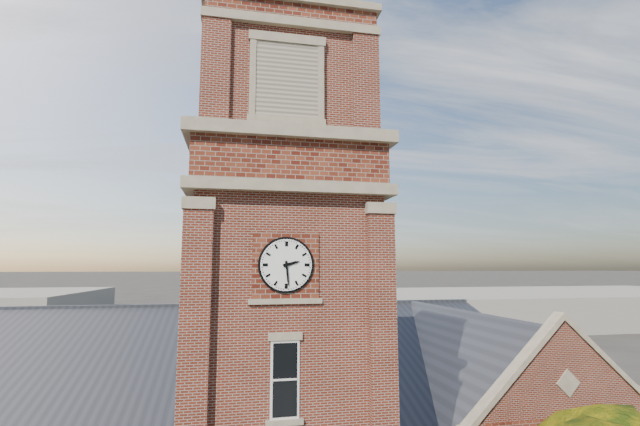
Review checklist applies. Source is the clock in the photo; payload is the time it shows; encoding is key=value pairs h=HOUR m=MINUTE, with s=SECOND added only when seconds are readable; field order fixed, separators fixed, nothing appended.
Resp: h=2 m=29
